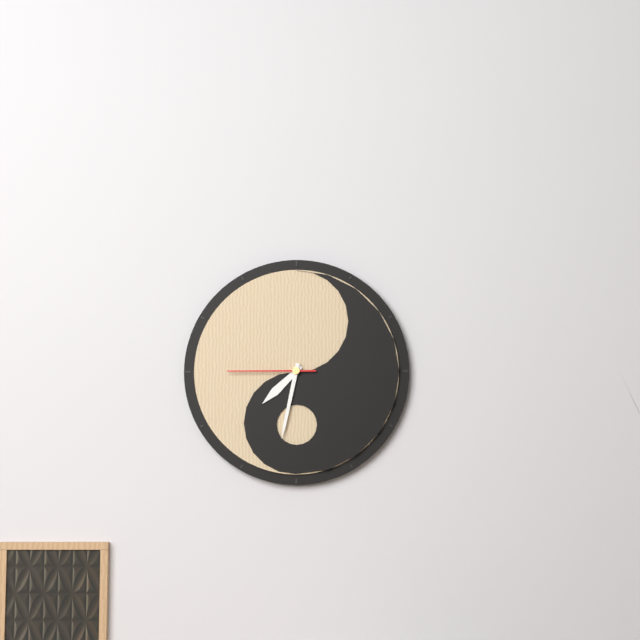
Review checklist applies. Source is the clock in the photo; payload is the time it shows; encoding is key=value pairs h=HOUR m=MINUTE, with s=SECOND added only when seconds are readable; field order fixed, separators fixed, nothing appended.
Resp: h=7 m=32 s=45
